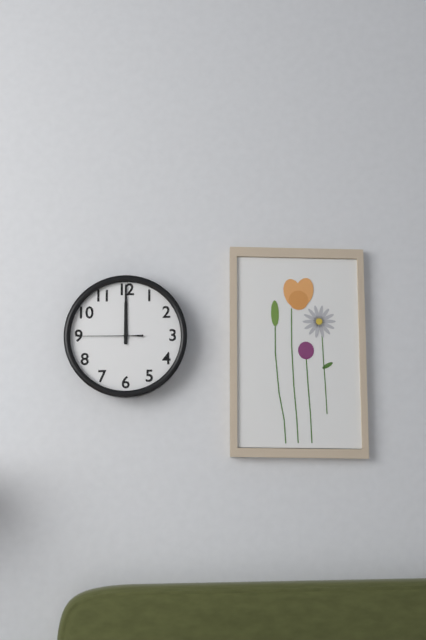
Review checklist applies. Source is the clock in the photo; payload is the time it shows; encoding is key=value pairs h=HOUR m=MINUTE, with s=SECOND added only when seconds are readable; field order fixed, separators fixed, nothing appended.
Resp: h=12 m=0 s=45
